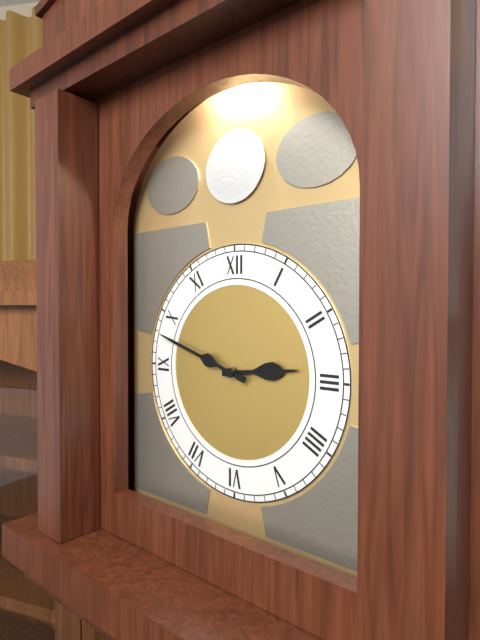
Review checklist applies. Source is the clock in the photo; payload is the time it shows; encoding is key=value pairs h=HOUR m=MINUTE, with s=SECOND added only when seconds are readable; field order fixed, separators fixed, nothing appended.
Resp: h=2 m=48
